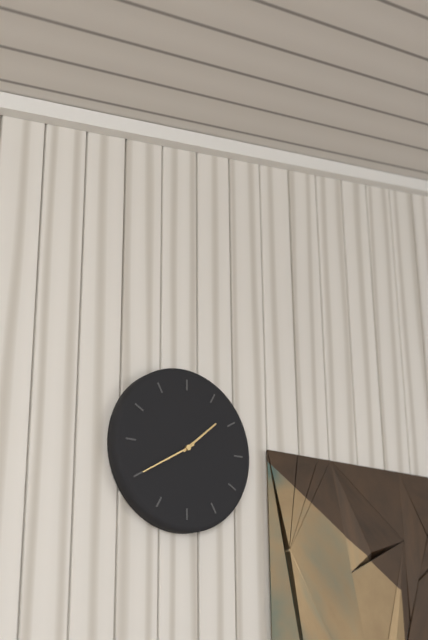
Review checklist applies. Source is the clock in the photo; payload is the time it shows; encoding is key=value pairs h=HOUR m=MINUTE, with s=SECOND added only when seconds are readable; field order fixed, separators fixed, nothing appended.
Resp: h=1 m=40
